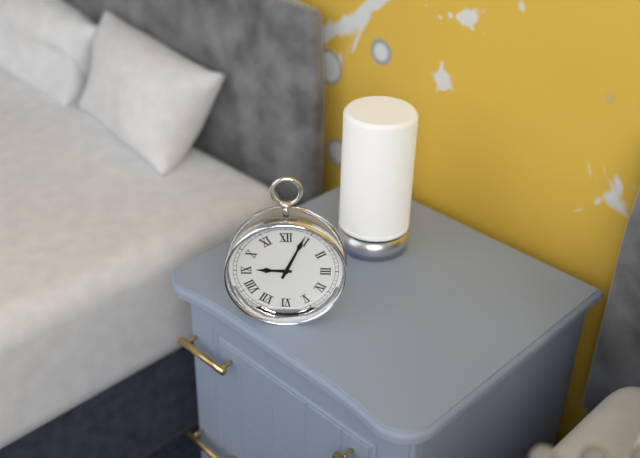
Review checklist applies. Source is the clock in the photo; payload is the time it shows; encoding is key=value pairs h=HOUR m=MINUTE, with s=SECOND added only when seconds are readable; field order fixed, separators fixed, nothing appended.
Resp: h=9 m=4
